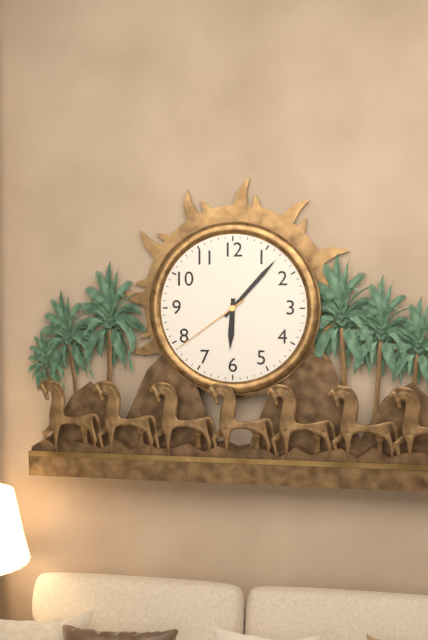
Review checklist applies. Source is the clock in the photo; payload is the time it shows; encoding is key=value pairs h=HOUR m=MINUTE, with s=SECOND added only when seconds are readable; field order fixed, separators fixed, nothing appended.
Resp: h=6 m=7 s=39
